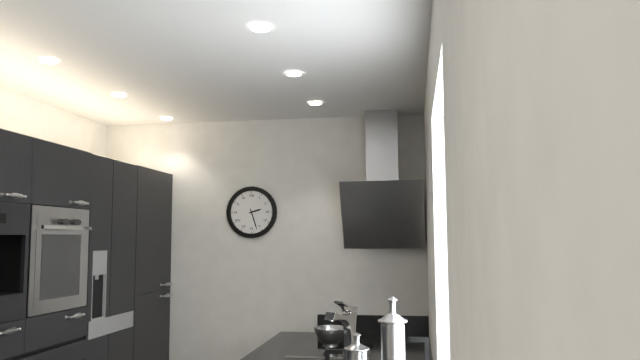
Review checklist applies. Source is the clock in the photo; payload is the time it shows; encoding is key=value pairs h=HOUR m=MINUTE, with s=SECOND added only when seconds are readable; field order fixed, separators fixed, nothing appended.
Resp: h=2 m=27
